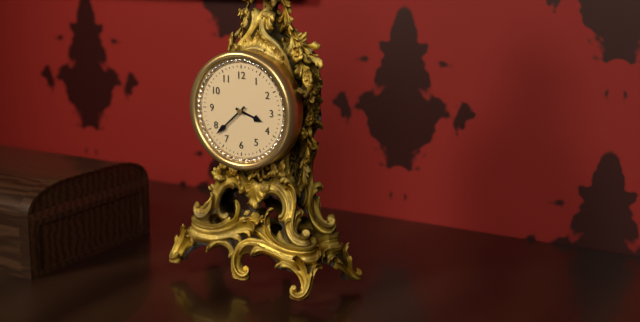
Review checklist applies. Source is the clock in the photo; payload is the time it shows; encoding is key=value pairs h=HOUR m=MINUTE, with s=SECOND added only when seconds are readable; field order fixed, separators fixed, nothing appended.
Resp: h=3 m=38
